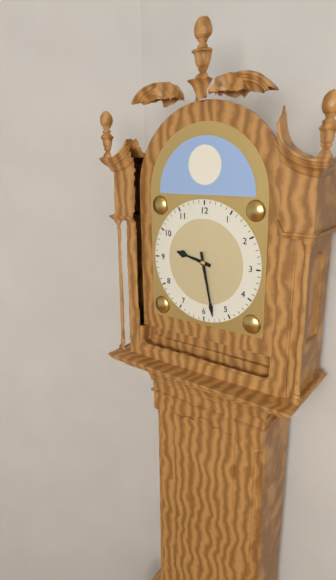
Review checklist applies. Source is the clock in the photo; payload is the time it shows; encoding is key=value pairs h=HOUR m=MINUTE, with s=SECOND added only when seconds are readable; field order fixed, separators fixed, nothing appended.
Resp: h=9 m=28
